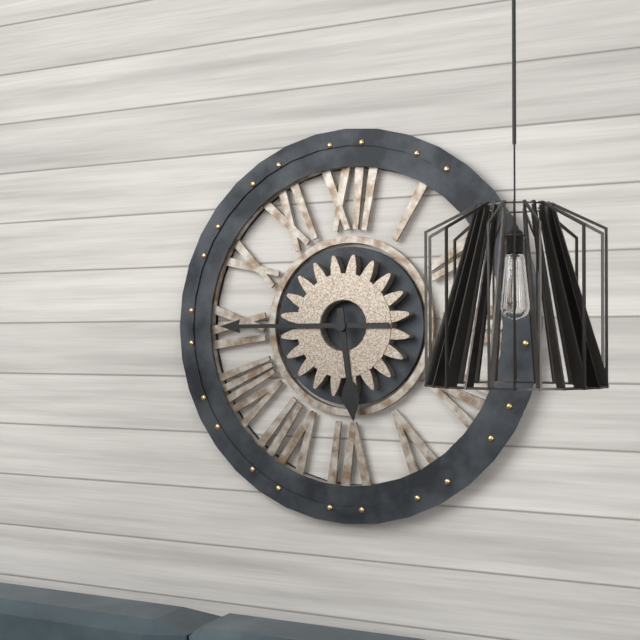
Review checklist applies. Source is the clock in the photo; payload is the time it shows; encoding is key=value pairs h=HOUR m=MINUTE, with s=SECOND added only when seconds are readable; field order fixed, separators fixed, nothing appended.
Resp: h=5 m=45
